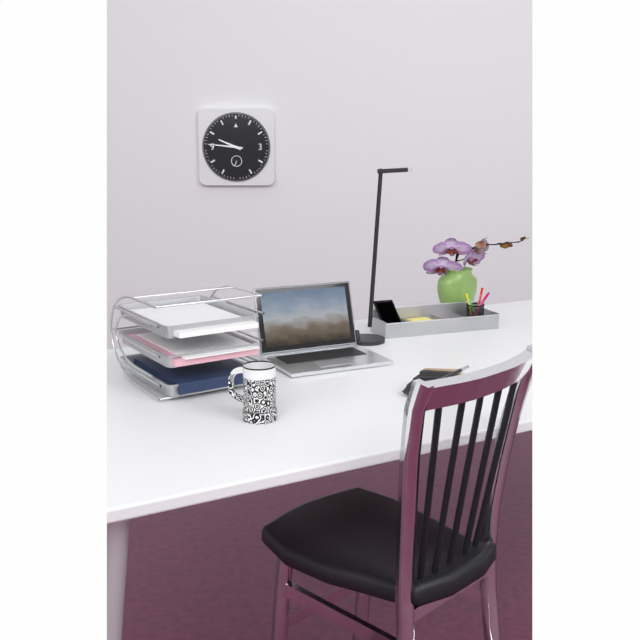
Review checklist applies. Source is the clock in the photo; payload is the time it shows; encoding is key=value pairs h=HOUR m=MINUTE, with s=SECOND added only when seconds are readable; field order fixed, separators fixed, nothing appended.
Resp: h=9 m=46
